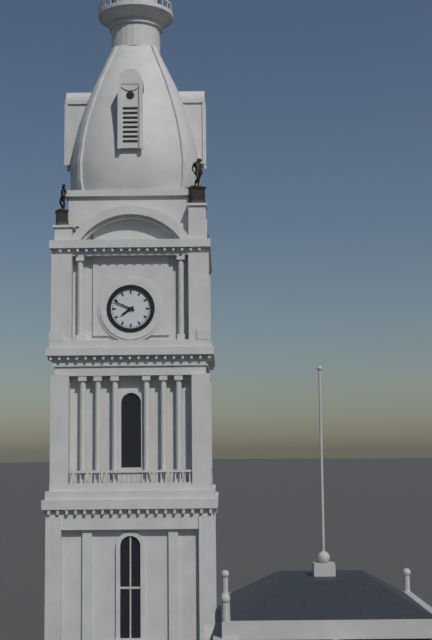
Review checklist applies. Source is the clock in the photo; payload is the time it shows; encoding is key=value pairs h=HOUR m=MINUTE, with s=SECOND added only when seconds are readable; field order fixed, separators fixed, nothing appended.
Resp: h=7 m=49
